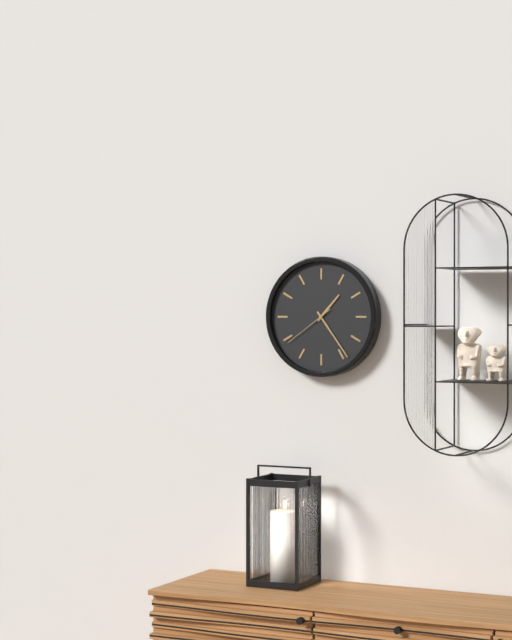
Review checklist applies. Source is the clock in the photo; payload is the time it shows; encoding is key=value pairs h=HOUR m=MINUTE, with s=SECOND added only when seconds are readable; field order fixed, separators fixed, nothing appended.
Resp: h=1 m=24 s=39
